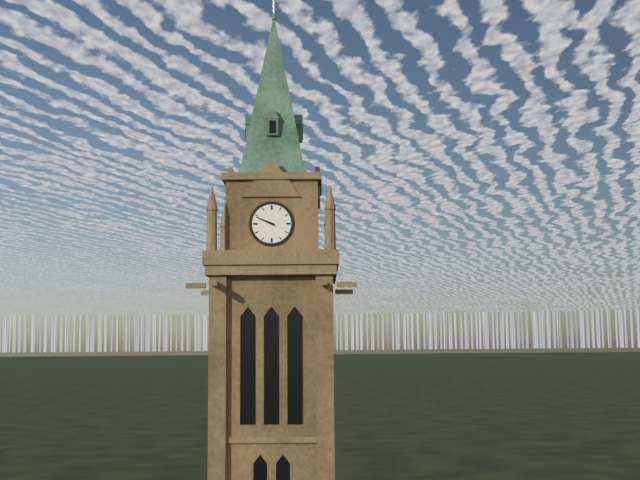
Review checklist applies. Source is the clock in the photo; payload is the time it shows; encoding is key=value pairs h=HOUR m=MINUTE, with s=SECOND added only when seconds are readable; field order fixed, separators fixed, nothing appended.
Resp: h=9 m=49
